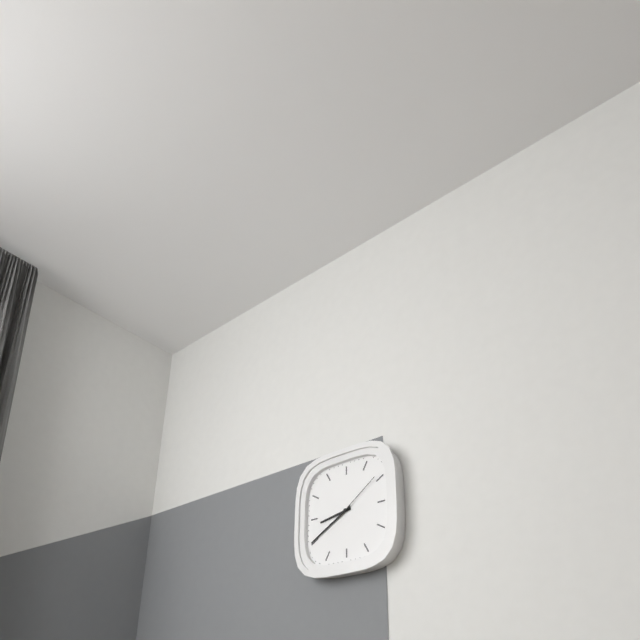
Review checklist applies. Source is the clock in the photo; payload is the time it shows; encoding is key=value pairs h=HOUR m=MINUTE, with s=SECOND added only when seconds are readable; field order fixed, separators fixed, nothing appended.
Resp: h=8 m=40 s=9
